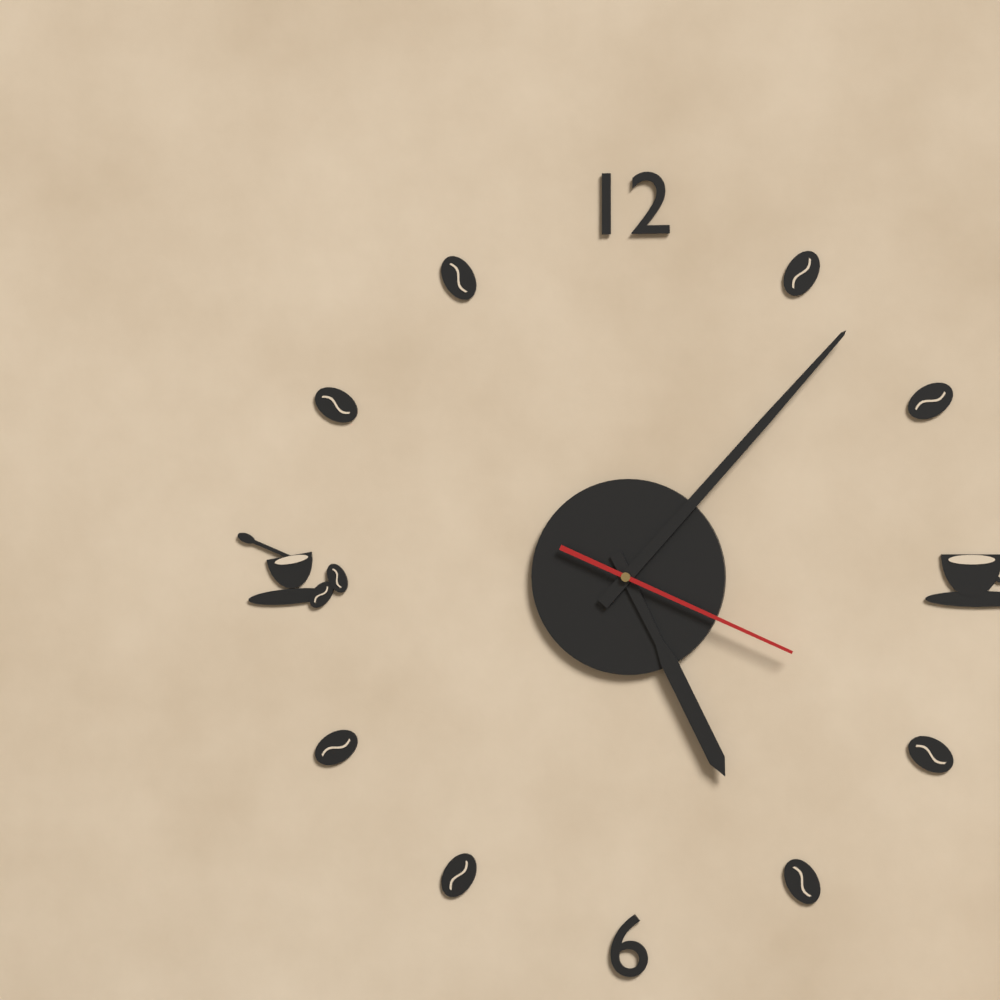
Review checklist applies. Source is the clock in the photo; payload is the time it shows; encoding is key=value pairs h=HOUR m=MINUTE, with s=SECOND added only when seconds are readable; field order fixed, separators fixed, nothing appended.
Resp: h=5 m=7 s=19
